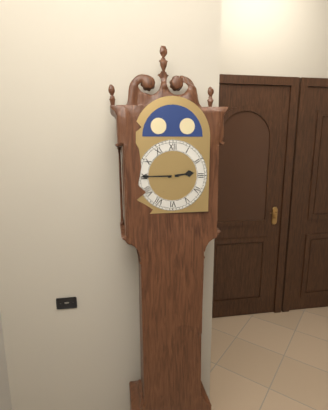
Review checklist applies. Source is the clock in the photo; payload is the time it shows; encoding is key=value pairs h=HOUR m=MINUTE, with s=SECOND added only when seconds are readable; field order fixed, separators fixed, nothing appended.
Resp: h=2 m=45
